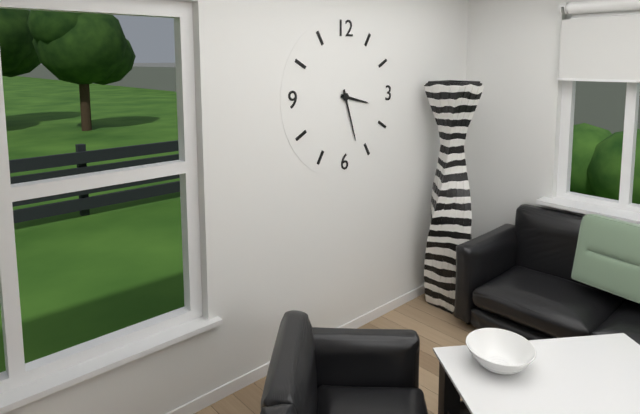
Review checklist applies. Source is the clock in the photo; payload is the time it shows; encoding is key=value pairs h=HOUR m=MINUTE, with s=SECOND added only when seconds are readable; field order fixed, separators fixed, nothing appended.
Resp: h=3 m=27
